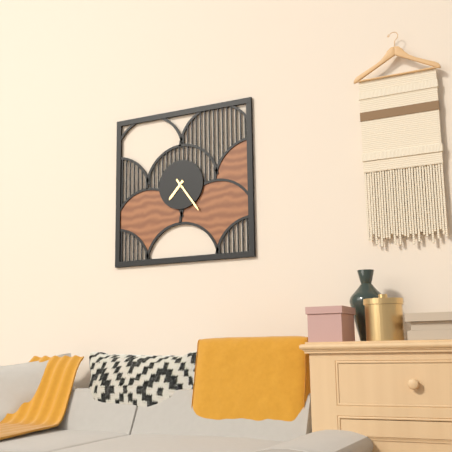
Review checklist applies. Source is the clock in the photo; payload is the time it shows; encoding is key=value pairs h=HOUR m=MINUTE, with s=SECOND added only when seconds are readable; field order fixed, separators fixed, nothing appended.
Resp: h=7 m=24
